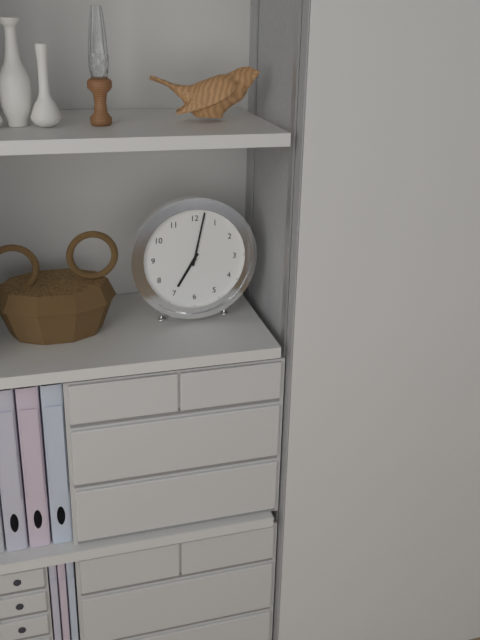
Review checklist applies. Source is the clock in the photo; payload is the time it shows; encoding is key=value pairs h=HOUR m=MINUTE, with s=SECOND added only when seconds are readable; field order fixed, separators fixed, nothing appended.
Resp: h=7 m=2
